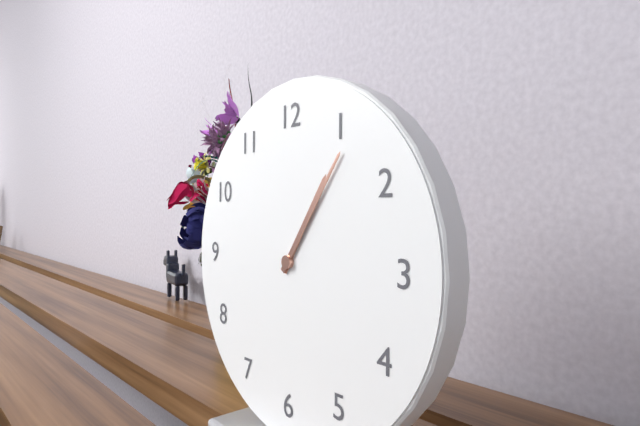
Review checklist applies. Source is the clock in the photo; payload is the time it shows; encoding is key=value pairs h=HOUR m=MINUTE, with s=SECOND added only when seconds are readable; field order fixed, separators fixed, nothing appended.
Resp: h=1 m=6
